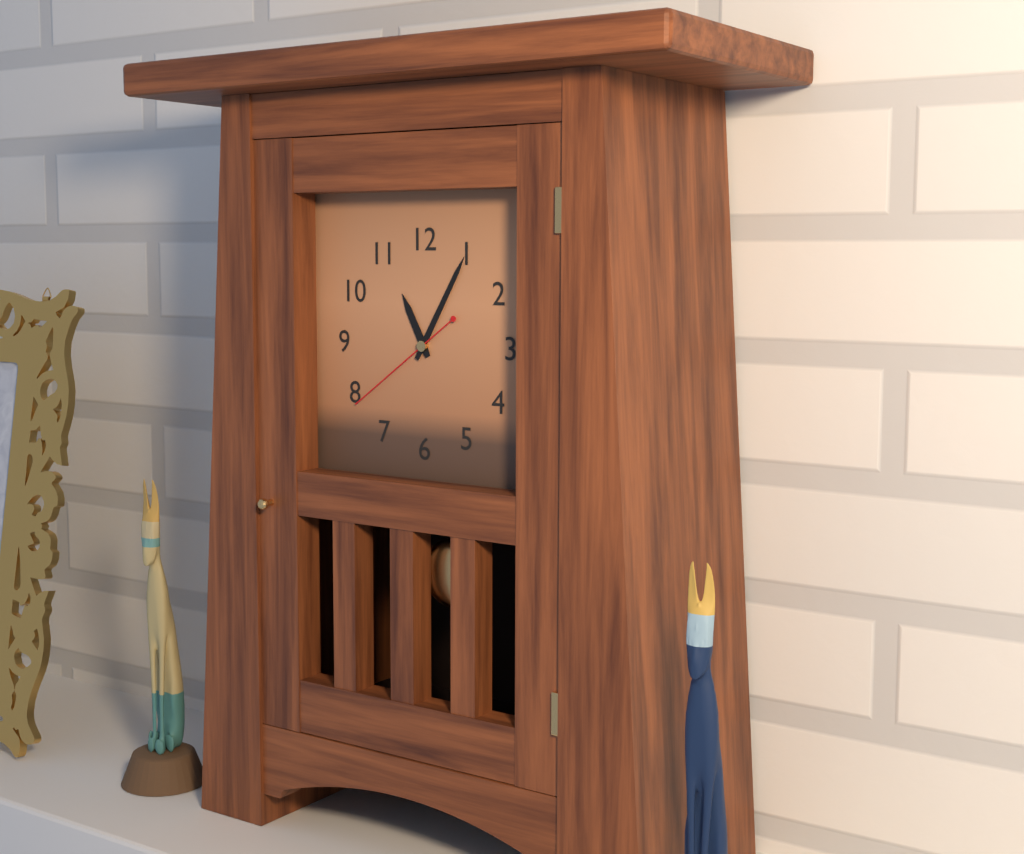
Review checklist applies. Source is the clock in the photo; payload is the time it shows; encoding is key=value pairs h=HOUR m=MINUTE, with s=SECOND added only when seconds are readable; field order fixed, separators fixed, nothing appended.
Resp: h=11 m=5 s=39
